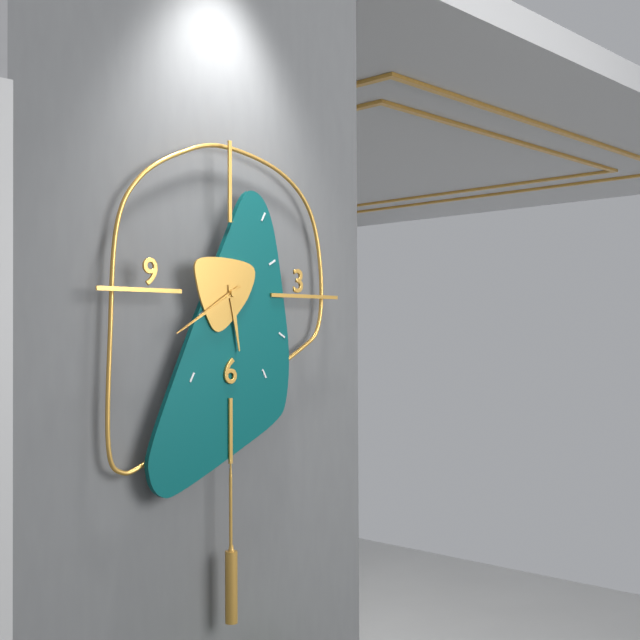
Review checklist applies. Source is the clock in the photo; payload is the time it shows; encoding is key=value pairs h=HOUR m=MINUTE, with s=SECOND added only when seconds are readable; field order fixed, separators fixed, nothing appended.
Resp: h=5 m=40 s=40
